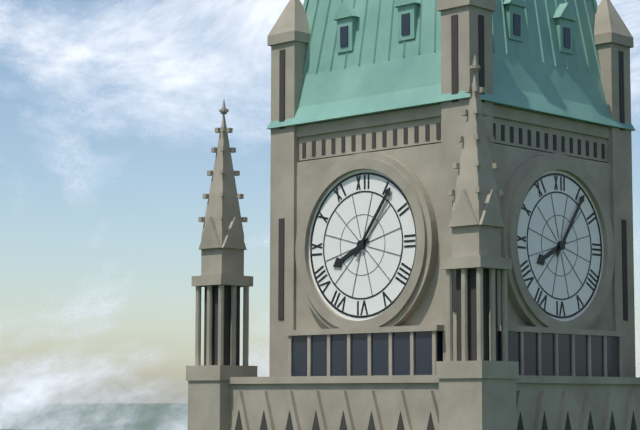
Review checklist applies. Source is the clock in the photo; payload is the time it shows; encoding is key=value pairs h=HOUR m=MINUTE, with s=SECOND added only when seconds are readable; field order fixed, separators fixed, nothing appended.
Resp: h=8 m=6
